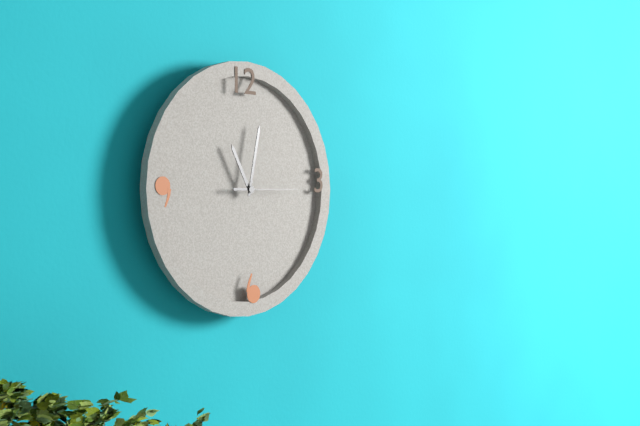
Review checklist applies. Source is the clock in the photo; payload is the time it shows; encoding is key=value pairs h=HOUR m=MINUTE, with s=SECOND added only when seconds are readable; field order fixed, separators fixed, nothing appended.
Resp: h=11 m=2 s=15
